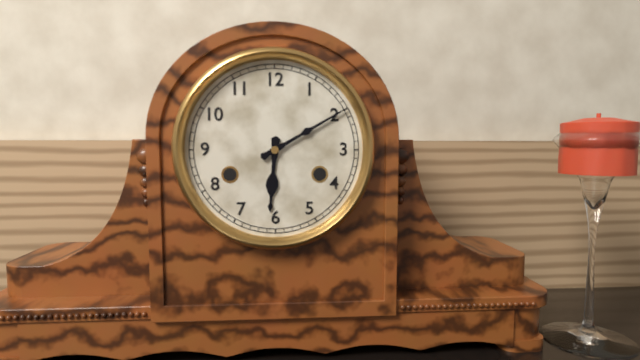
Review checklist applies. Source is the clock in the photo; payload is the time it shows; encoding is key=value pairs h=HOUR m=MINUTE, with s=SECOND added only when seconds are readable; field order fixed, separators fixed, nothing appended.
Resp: h=6 m=10
